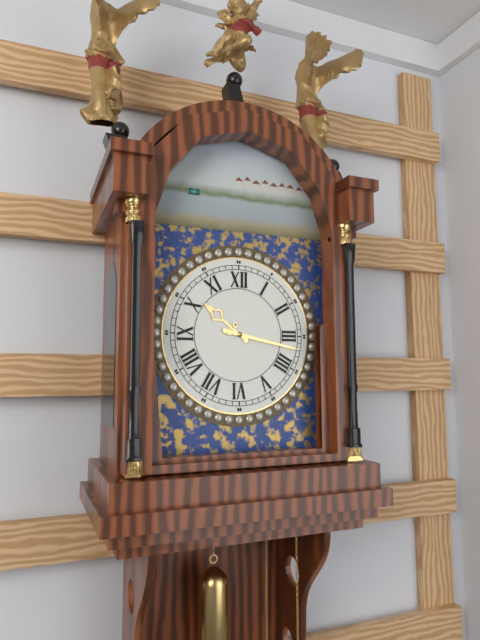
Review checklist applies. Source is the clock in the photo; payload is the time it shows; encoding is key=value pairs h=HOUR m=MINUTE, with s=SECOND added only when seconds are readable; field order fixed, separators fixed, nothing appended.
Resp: h=10 m=17
